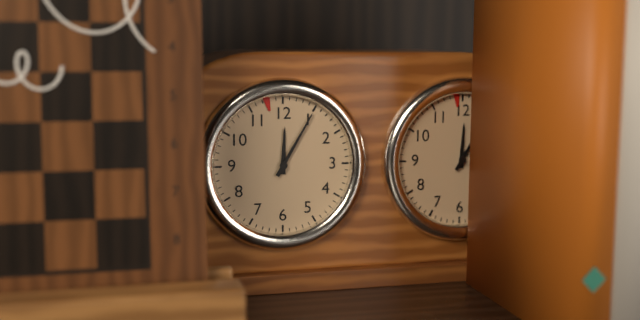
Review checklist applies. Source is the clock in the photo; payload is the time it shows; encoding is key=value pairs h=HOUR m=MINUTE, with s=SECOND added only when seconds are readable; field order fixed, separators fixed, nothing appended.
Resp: h=12 m=5
